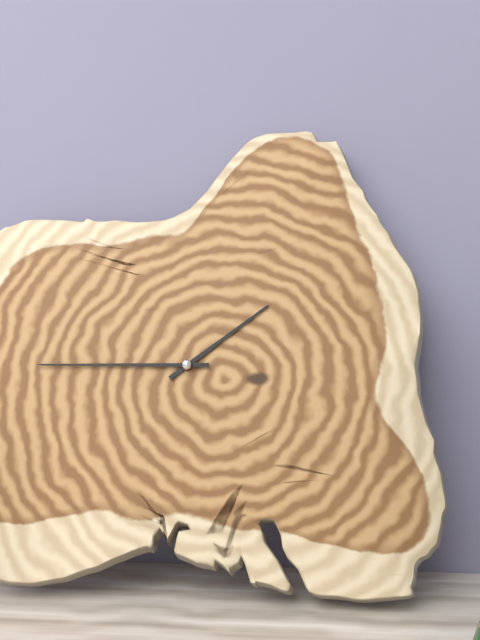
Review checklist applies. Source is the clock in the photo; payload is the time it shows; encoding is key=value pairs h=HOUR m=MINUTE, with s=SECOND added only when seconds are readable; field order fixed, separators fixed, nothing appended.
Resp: h=1 m=45
